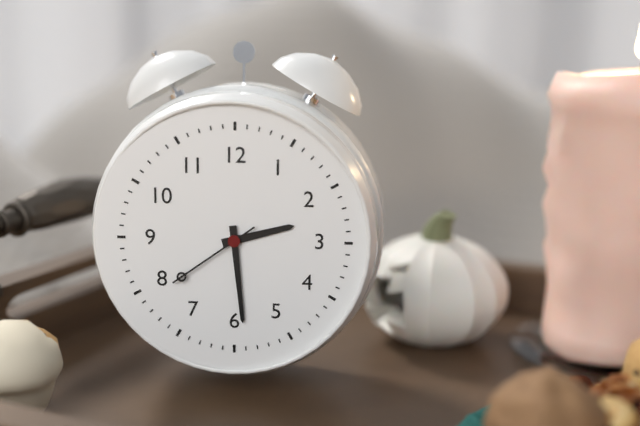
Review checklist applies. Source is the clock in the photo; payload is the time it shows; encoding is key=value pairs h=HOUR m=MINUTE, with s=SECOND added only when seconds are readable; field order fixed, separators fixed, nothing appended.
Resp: h=2 m=29 s=39
